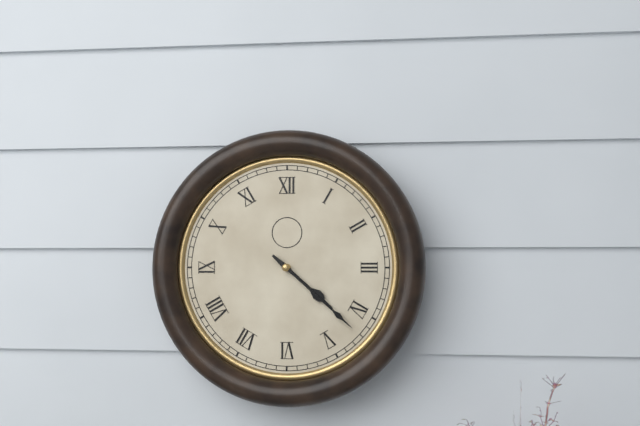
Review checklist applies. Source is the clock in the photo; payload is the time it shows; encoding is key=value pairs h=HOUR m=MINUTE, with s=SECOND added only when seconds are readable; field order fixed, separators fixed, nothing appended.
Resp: h=4 m=22
